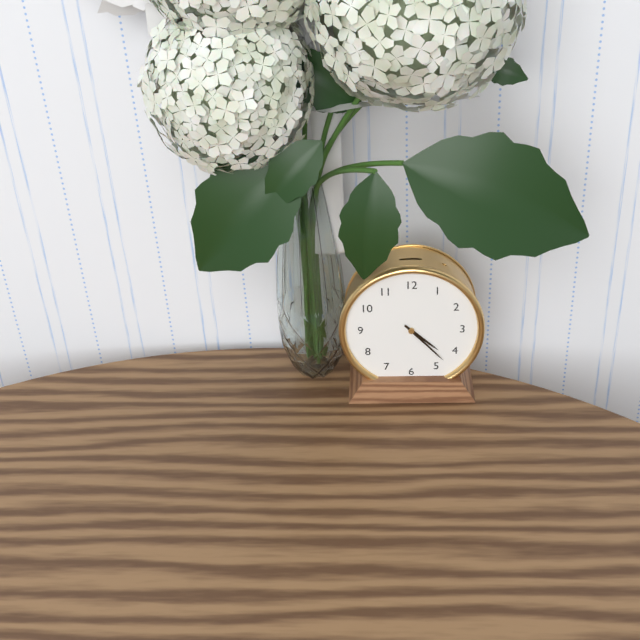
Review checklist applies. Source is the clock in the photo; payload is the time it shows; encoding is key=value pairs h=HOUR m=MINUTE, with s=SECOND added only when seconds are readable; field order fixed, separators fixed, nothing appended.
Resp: h=4 m=23
